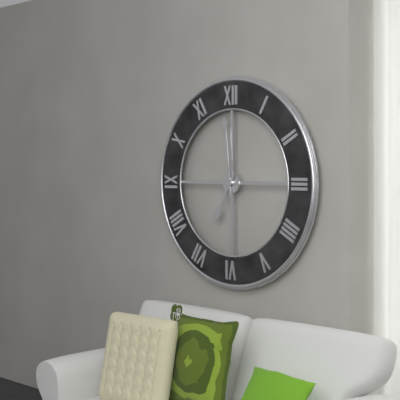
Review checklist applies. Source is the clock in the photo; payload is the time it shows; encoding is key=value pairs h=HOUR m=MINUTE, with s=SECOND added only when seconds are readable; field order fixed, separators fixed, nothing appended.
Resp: h=6 m=59
